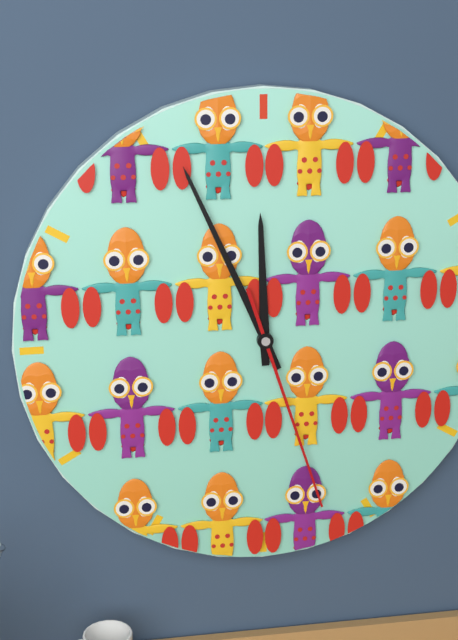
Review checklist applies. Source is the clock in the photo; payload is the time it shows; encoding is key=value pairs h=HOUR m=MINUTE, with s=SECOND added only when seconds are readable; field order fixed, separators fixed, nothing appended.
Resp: h=11 m=56 s=27
